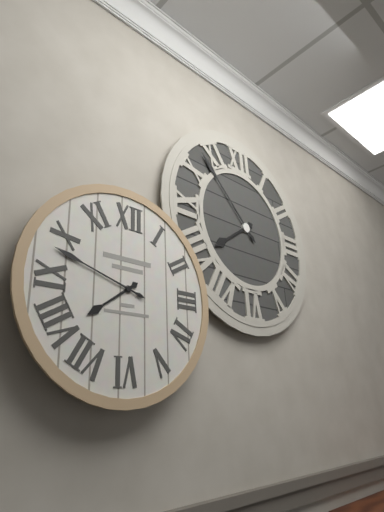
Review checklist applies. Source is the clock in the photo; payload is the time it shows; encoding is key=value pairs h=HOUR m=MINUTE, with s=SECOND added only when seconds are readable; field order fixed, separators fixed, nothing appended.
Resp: h=7 m=48
